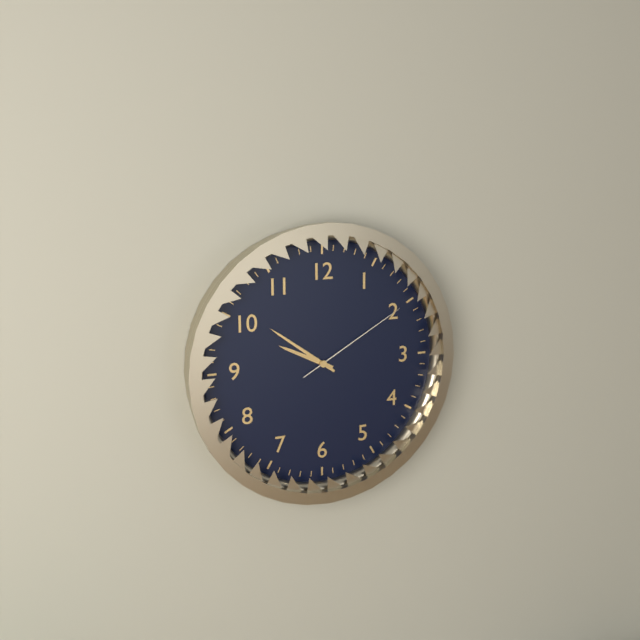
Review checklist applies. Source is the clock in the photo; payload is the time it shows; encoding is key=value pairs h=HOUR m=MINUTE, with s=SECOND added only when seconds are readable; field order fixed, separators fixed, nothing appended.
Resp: h=9 m=51 s=10
